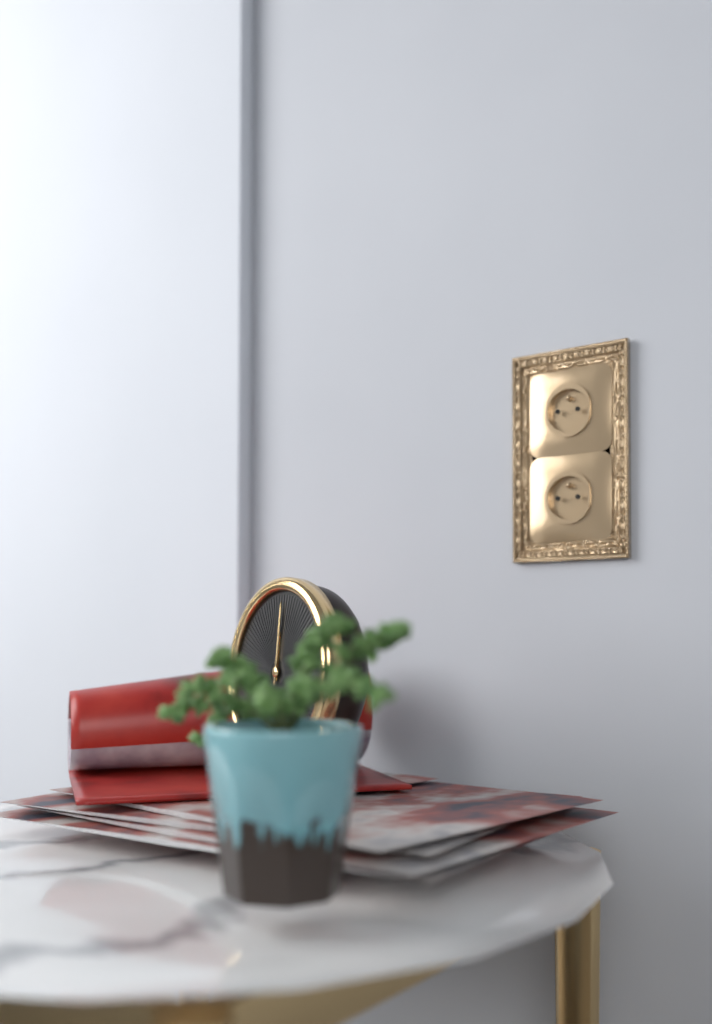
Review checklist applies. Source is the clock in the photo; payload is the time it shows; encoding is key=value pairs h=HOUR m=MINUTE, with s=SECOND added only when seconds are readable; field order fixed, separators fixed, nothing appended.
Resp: h=12 m=0
